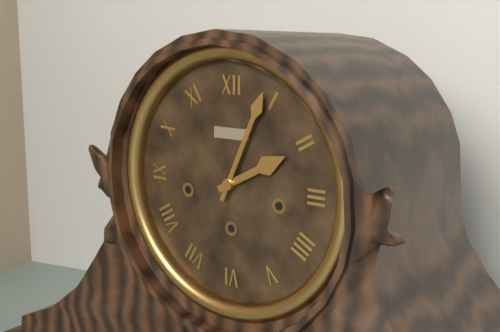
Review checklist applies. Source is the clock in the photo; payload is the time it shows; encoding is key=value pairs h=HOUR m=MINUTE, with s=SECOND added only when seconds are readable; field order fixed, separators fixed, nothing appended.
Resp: h=2 m=4
